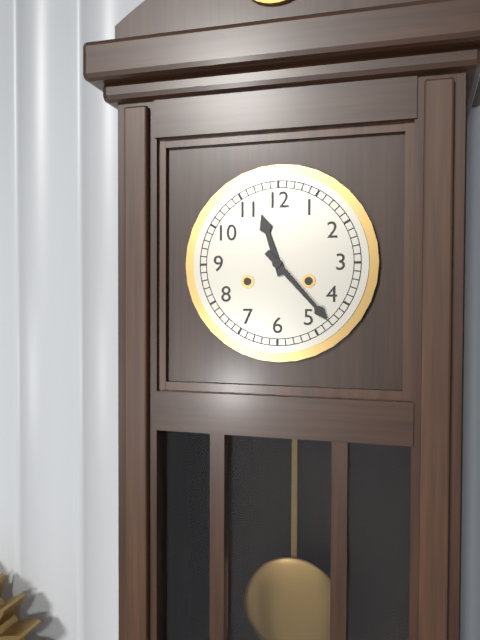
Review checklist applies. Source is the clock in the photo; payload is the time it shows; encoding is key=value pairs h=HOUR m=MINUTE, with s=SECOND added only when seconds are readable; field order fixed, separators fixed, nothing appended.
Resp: h=11 m=23
